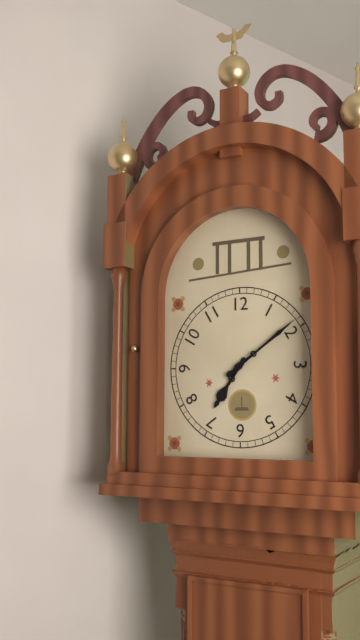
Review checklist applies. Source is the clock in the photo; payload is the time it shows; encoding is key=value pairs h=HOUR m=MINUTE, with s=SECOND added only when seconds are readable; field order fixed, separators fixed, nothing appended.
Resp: h=7 m=9
